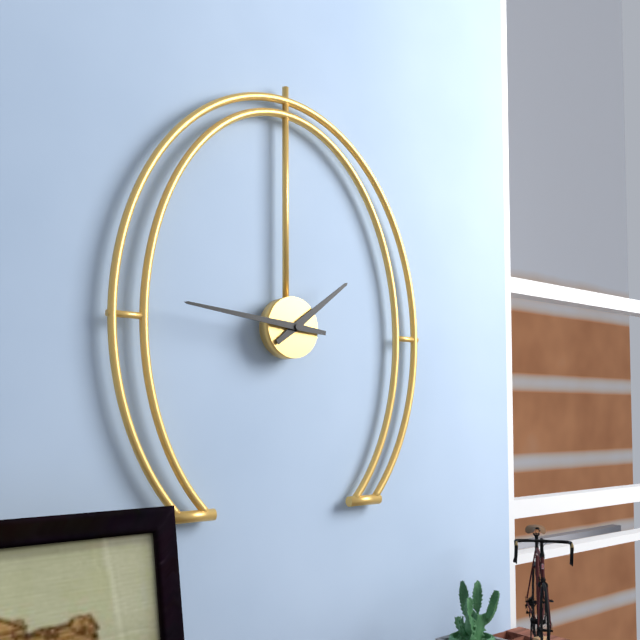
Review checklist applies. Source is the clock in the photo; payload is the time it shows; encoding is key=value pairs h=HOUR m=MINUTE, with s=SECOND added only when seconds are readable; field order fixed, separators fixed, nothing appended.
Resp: h=1 m=46
